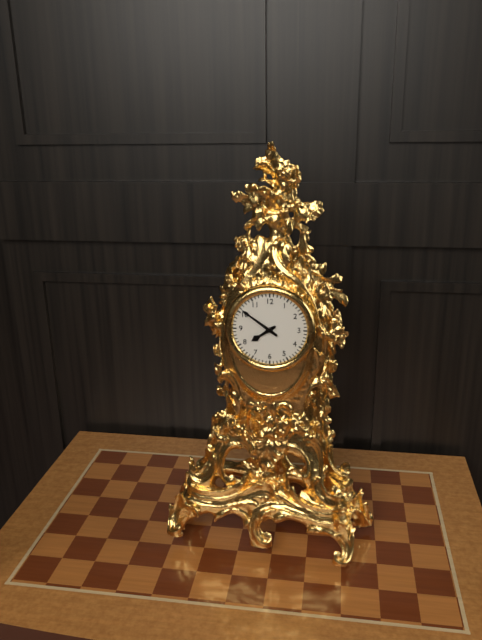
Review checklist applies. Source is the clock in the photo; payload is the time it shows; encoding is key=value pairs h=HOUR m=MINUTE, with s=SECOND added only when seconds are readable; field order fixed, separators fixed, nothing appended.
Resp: h=7 m=51
